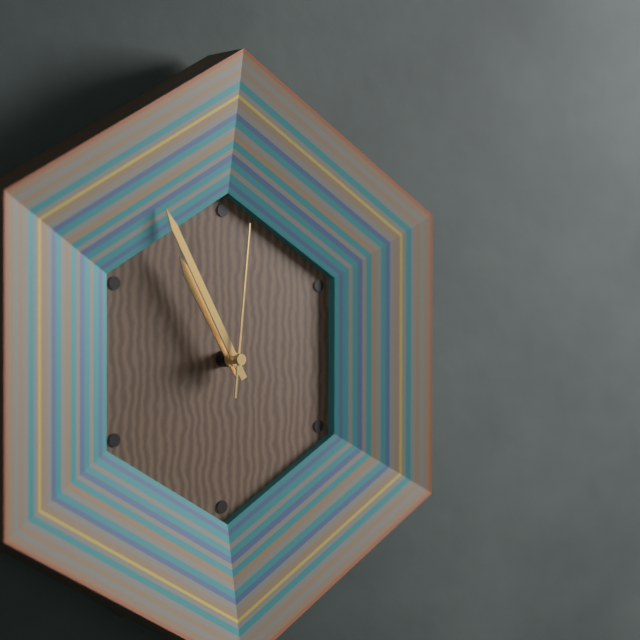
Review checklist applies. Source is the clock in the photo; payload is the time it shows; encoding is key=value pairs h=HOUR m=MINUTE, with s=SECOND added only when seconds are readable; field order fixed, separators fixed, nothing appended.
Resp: h=10 m=55 s=1
